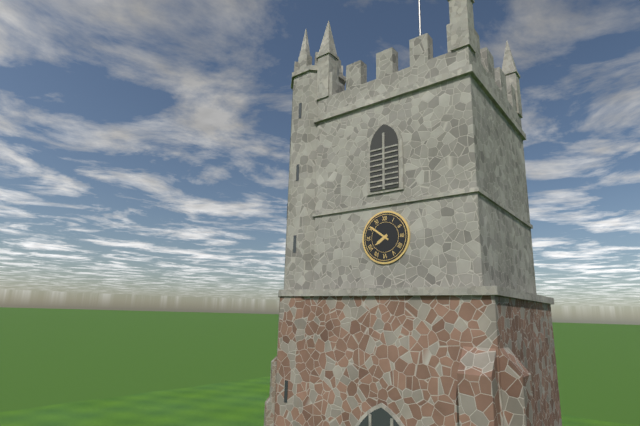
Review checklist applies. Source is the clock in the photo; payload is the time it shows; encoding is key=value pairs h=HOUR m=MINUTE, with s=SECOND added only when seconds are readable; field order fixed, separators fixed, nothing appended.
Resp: h=7 m=51
